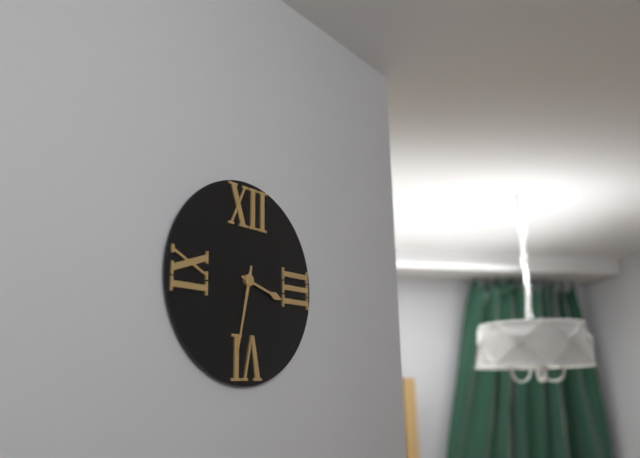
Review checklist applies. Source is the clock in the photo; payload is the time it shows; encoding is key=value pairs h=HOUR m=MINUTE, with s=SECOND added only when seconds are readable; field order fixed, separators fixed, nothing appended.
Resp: h=3 m=32
